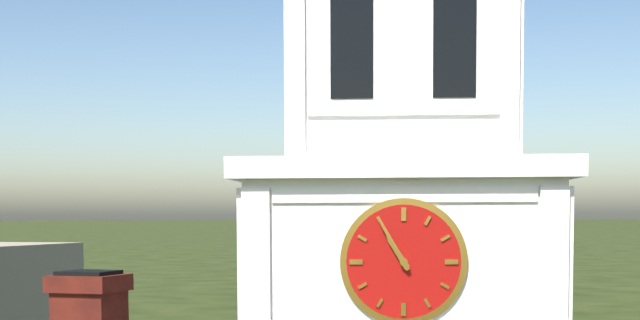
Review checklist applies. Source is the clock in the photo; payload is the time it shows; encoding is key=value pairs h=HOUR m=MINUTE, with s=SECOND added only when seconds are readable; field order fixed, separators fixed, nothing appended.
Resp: h=10 m=55
